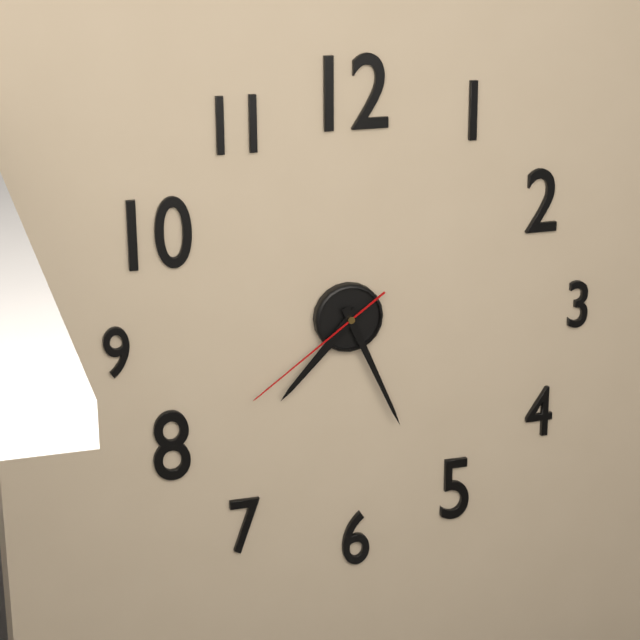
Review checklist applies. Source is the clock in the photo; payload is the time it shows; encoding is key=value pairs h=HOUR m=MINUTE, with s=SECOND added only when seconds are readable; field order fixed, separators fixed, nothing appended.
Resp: h=7 m=26 s=39
